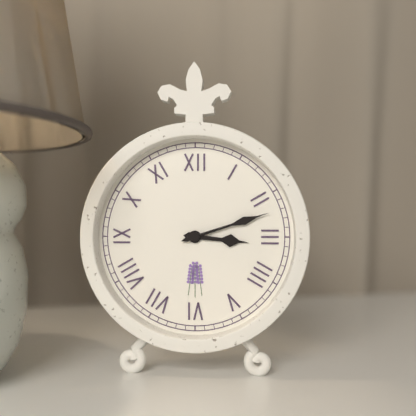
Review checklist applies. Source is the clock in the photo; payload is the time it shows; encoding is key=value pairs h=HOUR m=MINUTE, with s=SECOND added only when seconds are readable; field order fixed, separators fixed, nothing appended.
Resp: h=3 m=12
